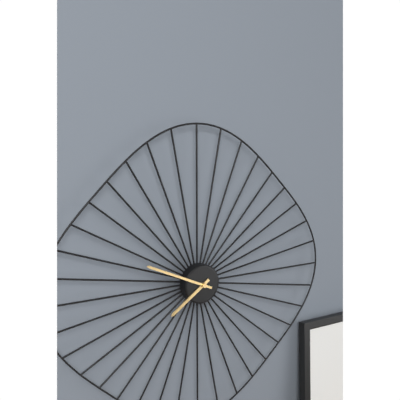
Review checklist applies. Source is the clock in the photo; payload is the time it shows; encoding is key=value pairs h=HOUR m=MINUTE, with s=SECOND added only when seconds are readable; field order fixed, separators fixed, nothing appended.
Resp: h=7 m=49
